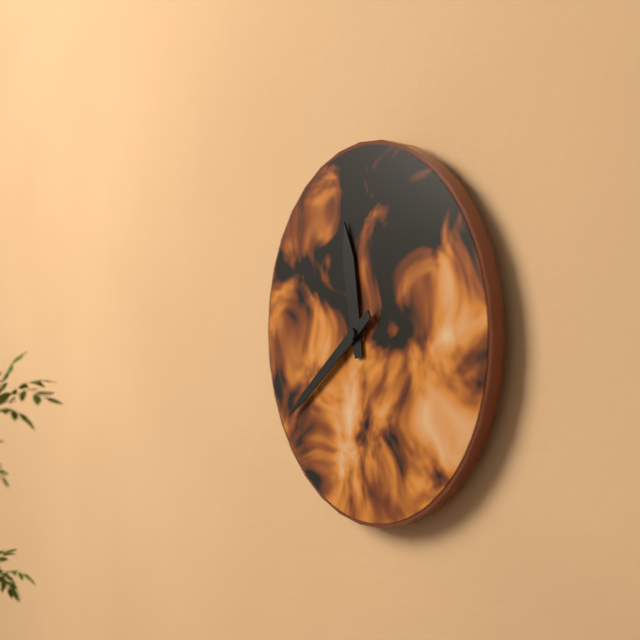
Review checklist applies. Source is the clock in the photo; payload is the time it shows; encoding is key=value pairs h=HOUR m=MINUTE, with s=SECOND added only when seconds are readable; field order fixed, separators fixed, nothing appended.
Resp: h=11 m=39
